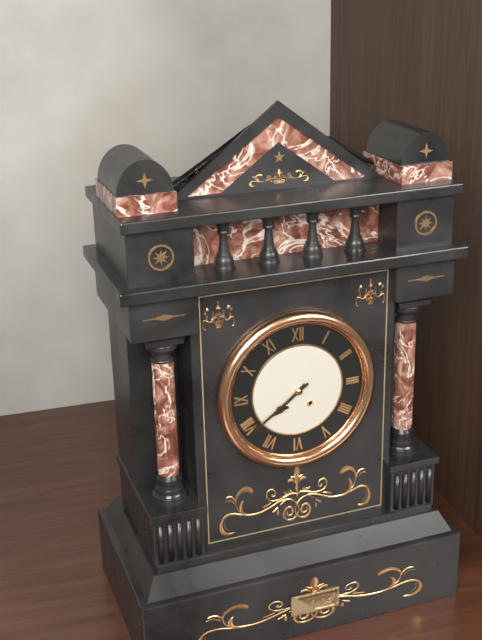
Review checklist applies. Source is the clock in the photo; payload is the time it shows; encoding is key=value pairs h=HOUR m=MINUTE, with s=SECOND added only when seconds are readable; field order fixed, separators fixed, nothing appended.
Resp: h=7 m=39
